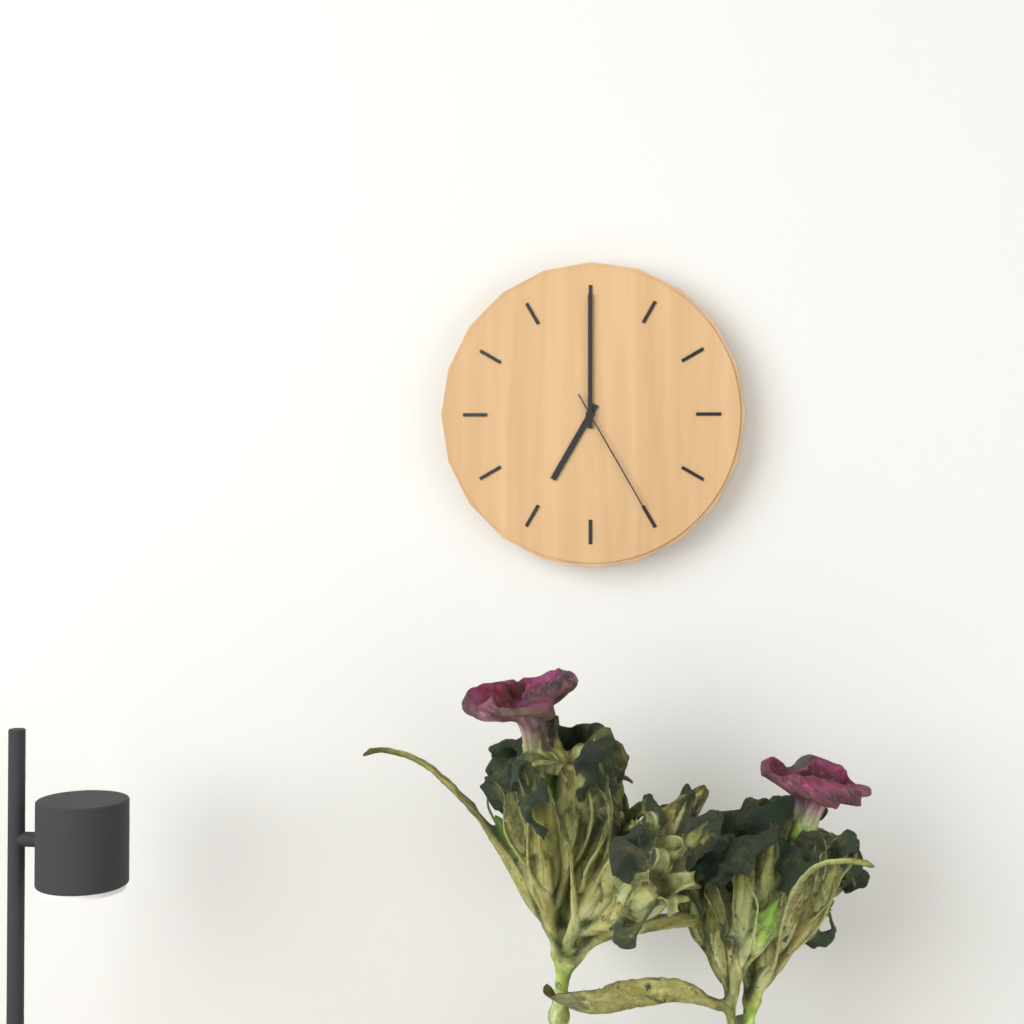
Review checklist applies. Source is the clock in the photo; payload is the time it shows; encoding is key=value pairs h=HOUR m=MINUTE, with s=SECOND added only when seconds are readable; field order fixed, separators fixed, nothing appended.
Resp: h=7 m=0 s=25
